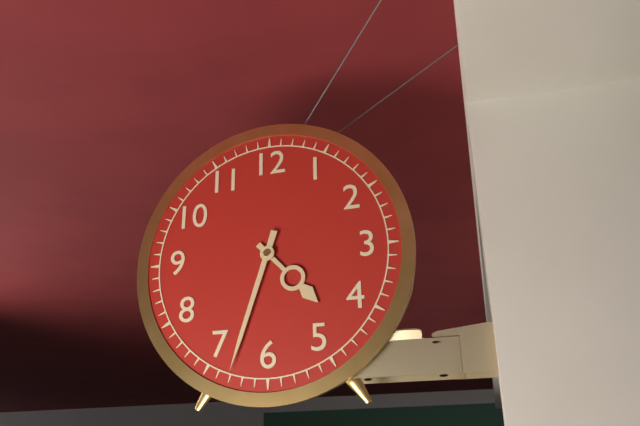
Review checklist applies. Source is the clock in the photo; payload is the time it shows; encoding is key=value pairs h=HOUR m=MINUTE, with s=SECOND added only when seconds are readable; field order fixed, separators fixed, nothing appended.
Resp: h=4 m=33
